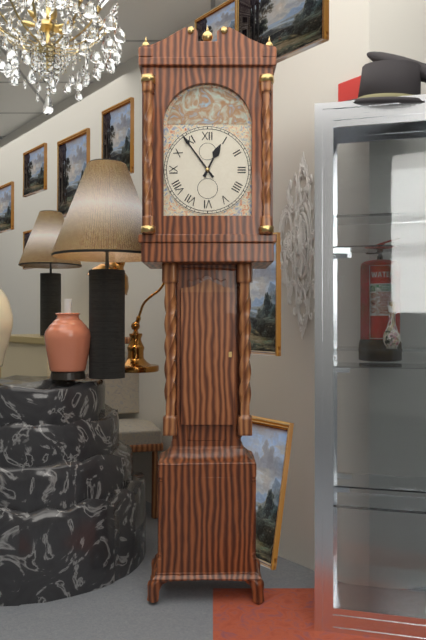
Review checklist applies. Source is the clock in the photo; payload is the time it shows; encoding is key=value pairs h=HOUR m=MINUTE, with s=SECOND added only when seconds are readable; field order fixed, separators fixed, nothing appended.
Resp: h=12 m=54
